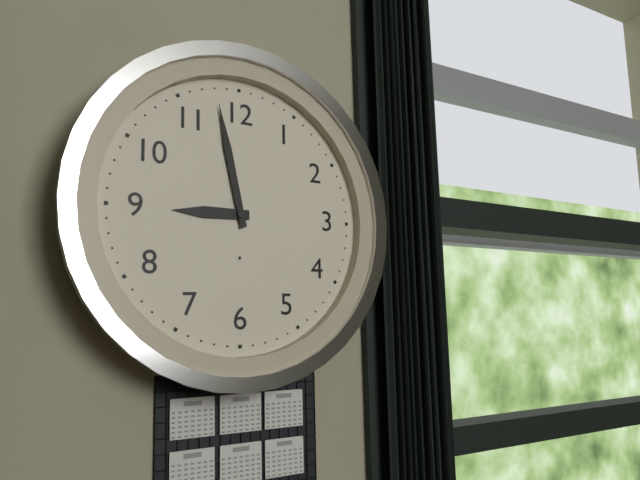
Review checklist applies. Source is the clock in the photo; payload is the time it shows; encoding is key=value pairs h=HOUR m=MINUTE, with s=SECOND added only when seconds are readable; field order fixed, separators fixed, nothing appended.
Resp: h=8 m=58
